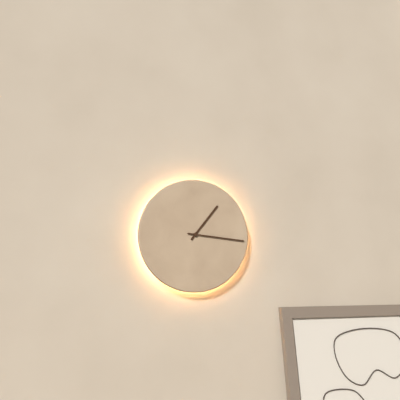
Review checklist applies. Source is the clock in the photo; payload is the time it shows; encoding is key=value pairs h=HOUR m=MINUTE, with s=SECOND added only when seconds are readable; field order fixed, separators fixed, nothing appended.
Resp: h=1 m=16
